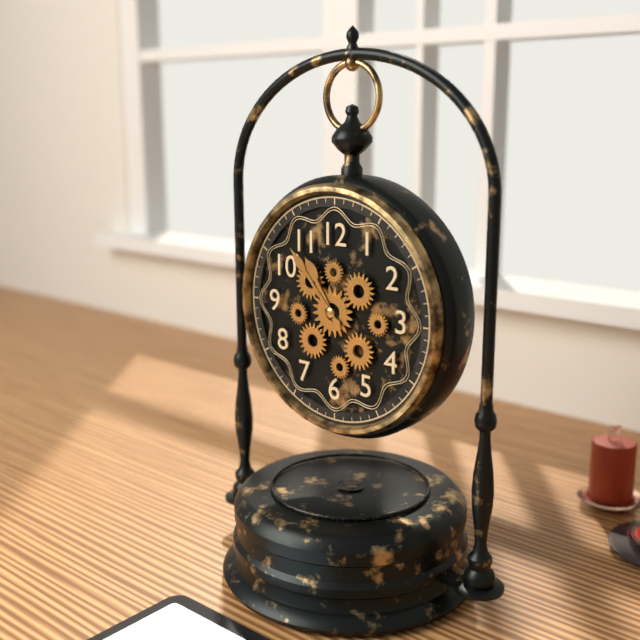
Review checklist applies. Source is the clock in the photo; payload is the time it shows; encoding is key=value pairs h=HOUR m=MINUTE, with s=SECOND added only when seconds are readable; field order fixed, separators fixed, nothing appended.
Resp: h=10 m=53
